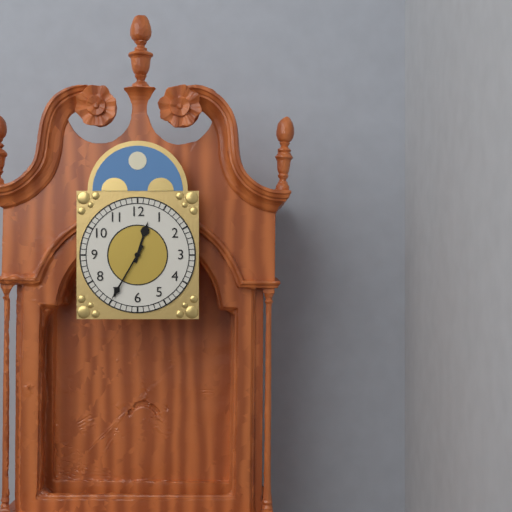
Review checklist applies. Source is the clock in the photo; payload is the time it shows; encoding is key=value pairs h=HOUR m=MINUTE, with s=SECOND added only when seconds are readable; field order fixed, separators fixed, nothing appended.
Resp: h=12 m=35
